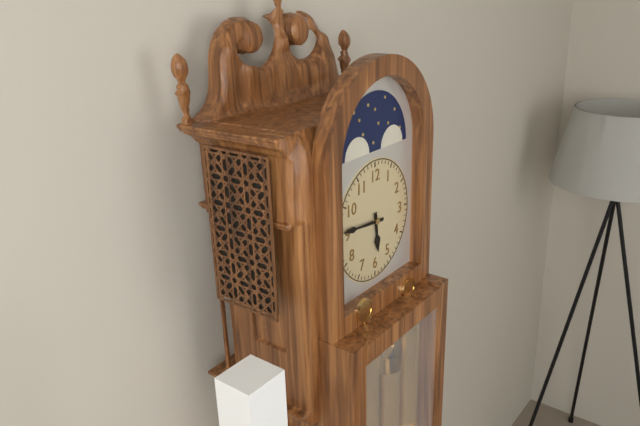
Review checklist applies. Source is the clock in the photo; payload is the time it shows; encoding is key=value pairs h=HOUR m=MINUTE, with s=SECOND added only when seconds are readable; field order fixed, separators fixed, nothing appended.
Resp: h=5 m=46
